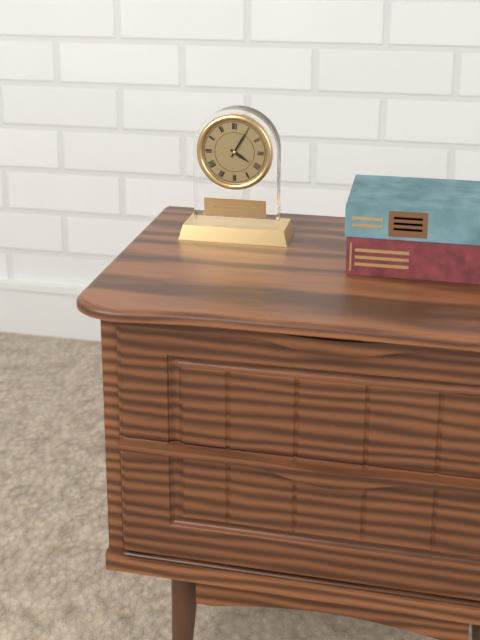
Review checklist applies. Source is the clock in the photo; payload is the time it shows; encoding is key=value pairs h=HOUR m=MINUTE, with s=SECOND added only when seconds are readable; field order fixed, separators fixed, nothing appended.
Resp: h=4 m=5
